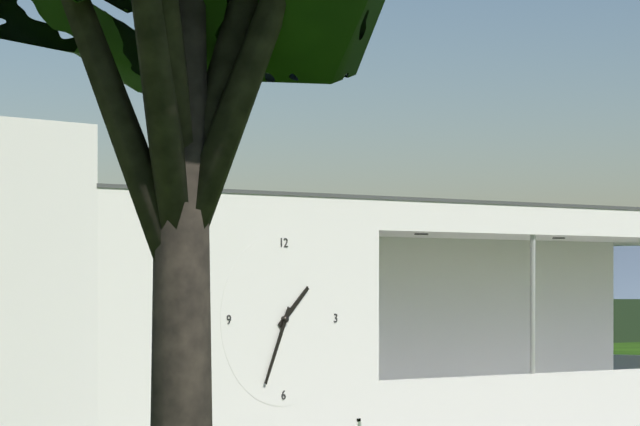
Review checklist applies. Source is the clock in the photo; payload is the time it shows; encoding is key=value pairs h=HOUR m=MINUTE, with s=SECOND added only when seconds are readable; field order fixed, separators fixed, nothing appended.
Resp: h=1 m=34
